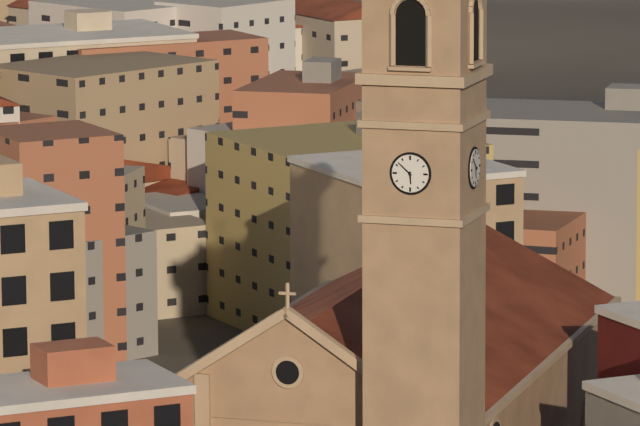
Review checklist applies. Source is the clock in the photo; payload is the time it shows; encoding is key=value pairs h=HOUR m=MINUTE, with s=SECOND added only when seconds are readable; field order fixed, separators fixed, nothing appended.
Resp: h=5 m=52
